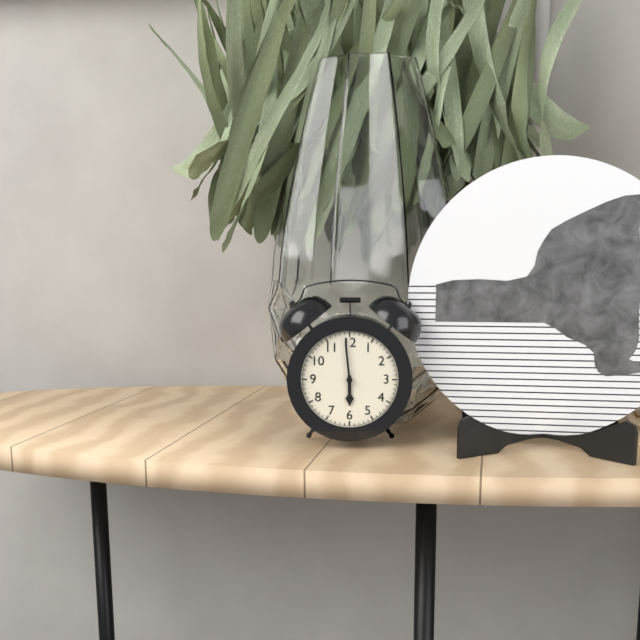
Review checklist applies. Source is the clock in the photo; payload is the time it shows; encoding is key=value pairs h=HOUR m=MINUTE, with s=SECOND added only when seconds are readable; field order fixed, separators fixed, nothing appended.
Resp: h=5 m=59
